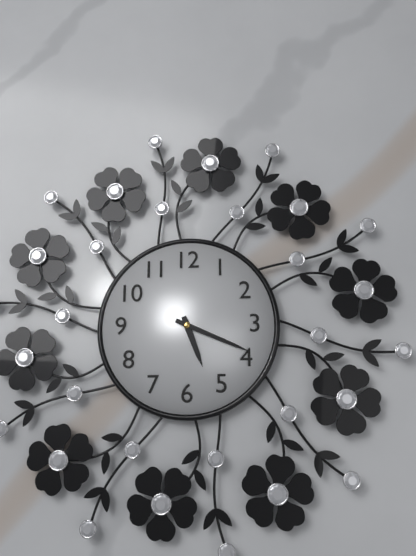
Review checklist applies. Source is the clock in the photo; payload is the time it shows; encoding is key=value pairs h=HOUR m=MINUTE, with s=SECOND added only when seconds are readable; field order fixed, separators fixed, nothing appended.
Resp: h=5 m=19
